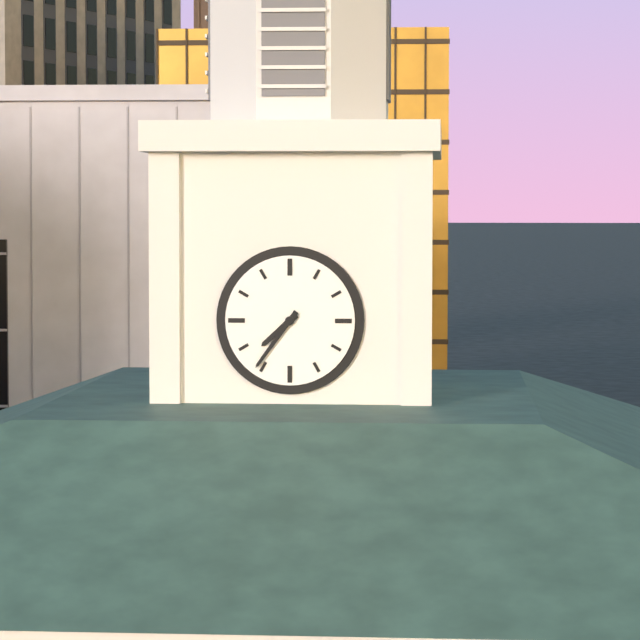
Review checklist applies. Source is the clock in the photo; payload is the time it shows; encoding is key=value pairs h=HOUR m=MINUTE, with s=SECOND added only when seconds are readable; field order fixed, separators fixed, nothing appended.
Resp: h=7 m=36
